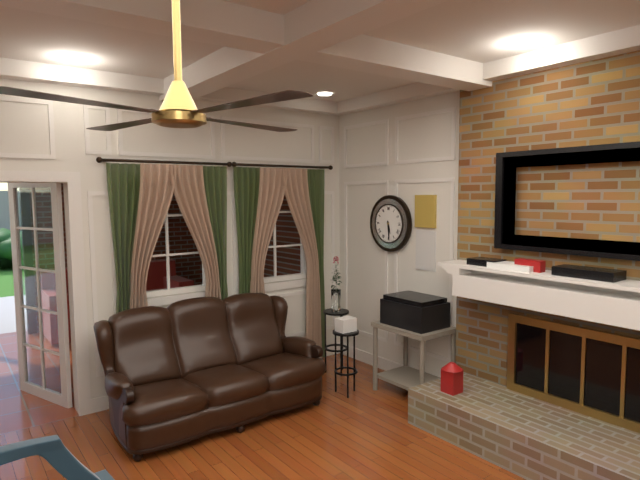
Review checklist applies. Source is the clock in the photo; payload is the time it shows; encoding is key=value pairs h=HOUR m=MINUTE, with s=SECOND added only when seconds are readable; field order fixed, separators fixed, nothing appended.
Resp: h=5 m=29
